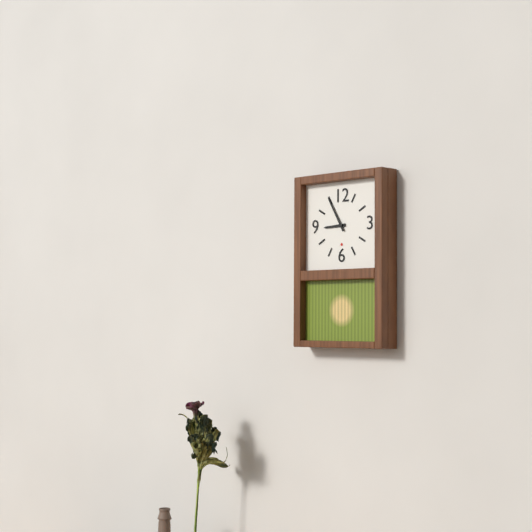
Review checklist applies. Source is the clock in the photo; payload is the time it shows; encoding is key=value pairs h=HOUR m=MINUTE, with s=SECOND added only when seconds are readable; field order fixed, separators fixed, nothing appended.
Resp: h=8 m=55
